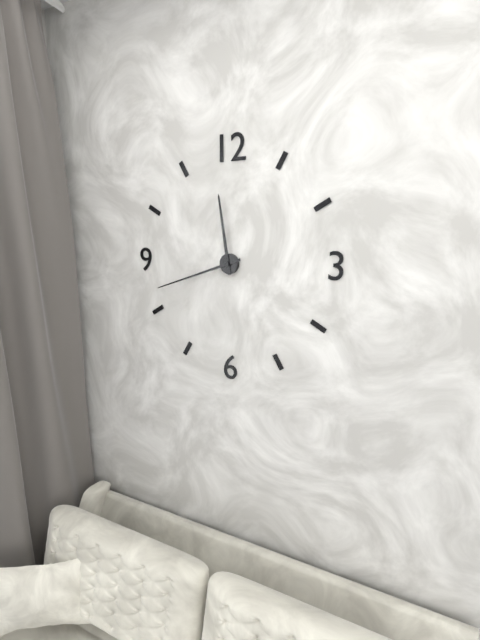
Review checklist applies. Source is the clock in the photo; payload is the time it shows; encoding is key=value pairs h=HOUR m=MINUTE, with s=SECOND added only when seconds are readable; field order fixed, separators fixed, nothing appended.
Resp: h=11 m=42
